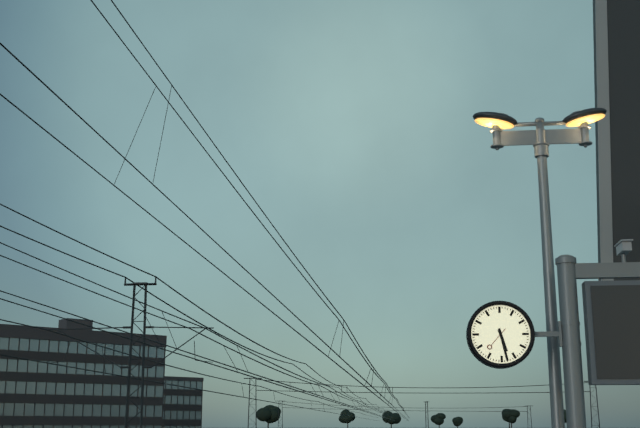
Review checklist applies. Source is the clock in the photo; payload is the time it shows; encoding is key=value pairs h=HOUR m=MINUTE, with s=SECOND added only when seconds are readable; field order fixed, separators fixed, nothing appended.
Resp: h=5 m=28
